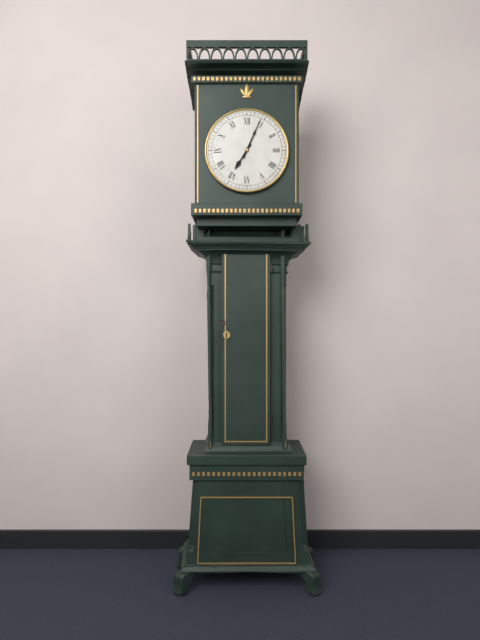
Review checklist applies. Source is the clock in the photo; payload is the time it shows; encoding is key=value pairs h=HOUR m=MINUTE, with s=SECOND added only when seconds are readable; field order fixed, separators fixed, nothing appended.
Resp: h=7 m=4
